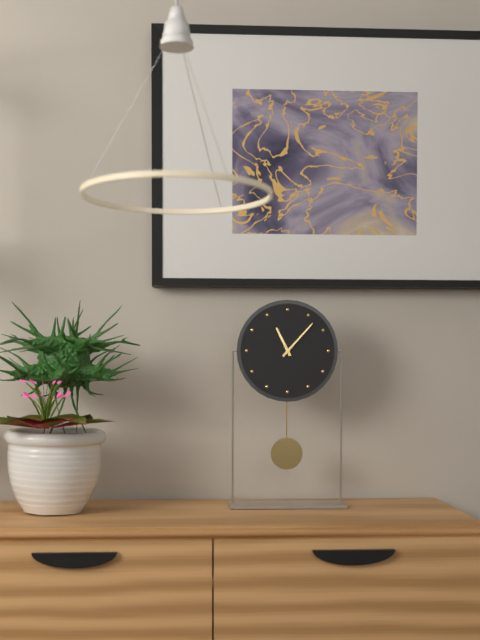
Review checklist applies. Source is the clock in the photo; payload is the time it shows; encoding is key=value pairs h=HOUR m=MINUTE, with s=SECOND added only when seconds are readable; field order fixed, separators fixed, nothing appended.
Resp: h=11 m=7
